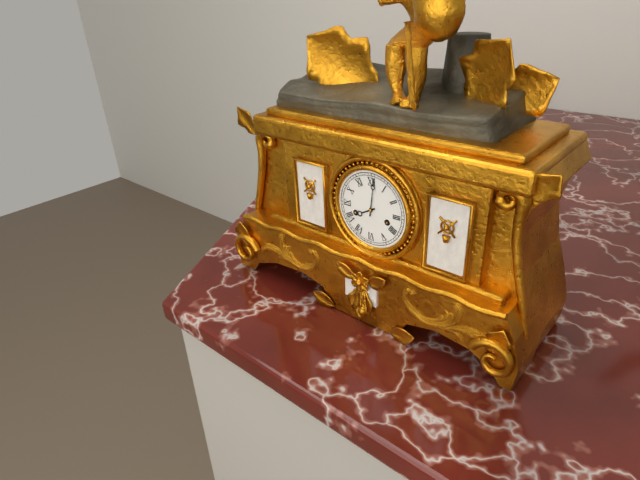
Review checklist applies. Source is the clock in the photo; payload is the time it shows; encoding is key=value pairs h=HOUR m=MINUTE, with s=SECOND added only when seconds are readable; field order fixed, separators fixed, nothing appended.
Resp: h=8 m=1
